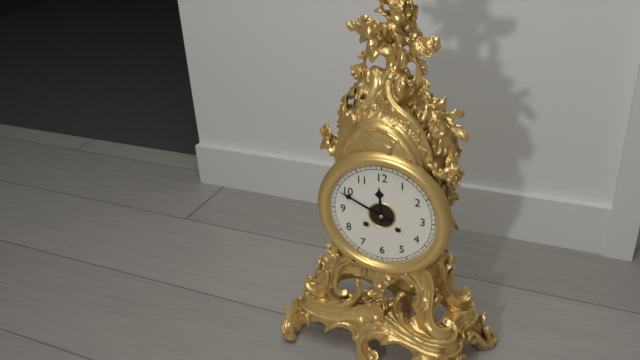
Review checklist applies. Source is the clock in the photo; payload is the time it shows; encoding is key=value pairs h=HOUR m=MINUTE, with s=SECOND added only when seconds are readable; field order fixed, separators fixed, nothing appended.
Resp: h=11 m=49
